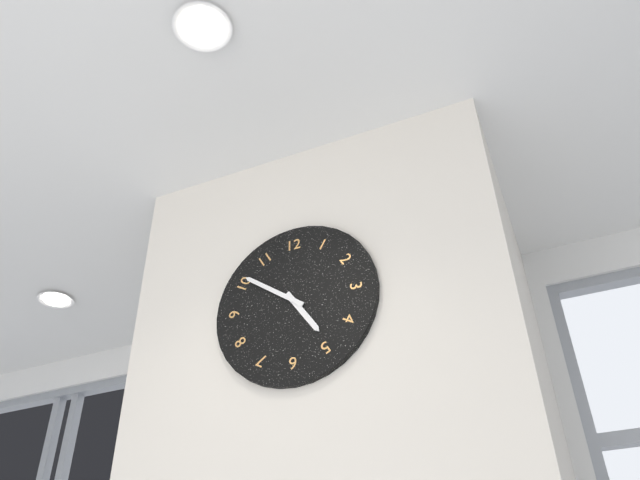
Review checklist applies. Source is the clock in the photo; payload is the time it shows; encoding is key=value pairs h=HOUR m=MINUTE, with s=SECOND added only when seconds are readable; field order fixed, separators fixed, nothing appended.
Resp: h=4 m=51
